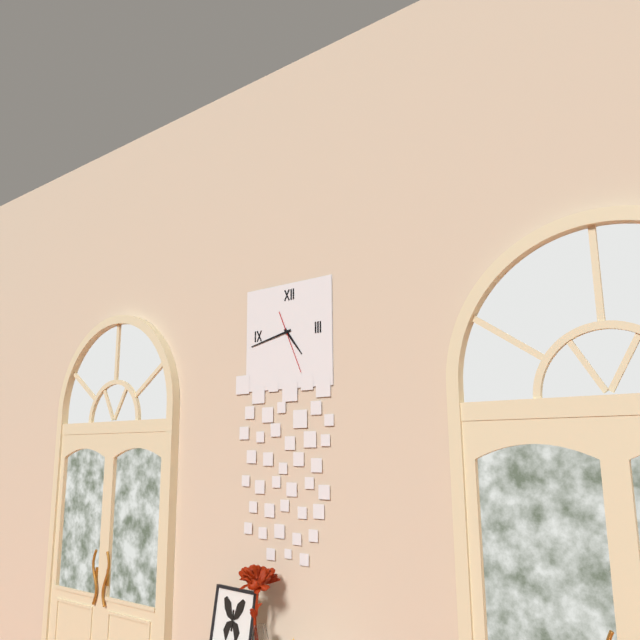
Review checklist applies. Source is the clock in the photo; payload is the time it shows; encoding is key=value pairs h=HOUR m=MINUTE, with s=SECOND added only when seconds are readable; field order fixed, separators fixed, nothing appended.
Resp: h=4 m=43 s=26
